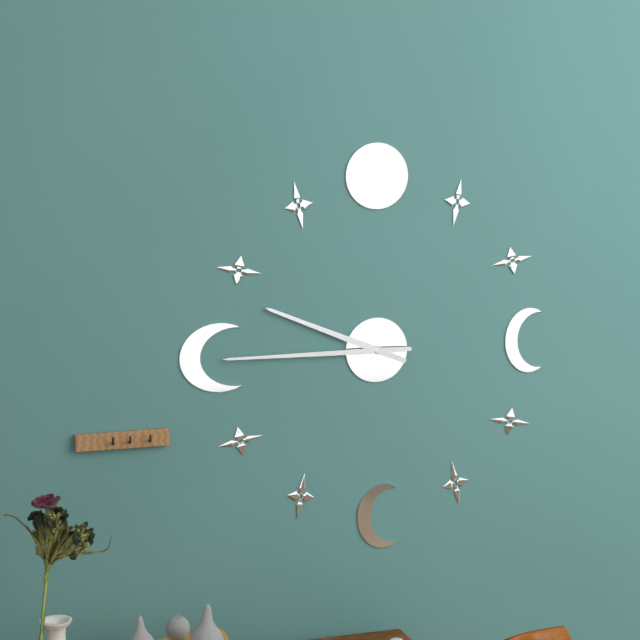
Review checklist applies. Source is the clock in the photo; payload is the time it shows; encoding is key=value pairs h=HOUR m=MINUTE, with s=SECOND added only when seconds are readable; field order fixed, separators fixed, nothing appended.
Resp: h=9 m=45
